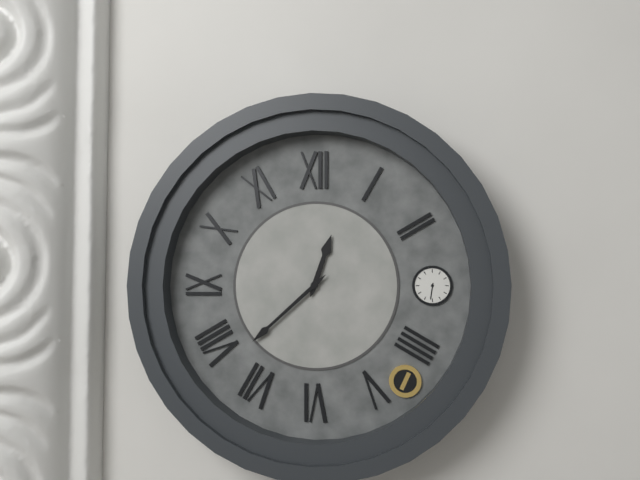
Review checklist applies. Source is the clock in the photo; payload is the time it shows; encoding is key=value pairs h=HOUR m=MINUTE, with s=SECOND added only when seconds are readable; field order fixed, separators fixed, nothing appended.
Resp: h=12 m=38
